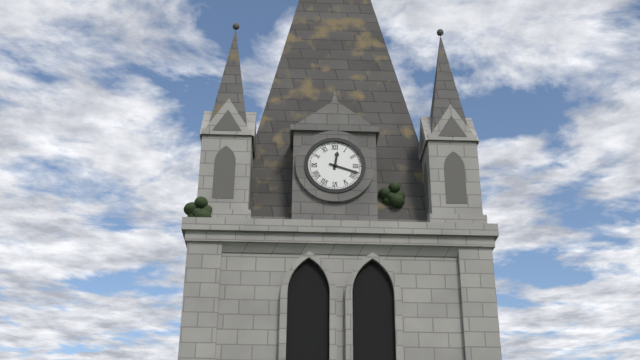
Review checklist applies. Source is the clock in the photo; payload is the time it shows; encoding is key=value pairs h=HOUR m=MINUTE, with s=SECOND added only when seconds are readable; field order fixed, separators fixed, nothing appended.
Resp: h=12 m=18
